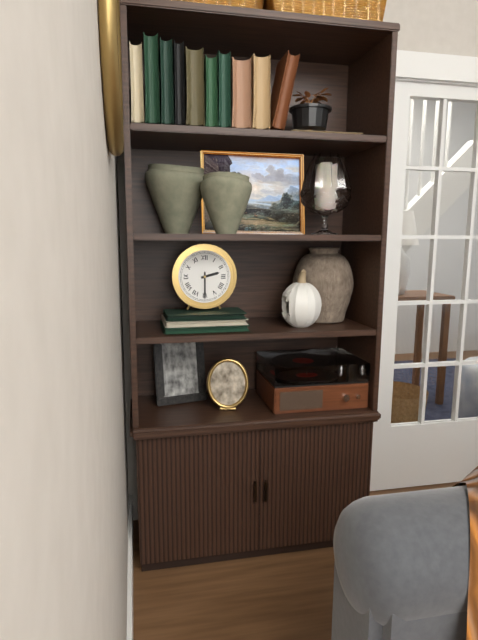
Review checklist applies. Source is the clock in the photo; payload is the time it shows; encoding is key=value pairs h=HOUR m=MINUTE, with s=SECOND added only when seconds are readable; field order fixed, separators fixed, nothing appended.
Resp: h=2 m=30
